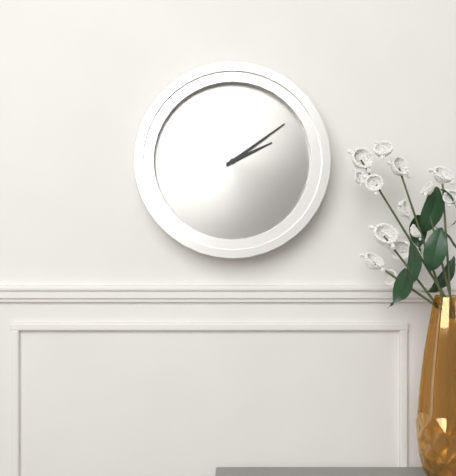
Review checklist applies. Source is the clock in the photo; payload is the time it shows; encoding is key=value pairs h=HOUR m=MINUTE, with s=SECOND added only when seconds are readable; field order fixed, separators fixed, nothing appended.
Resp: h=2 m=9
